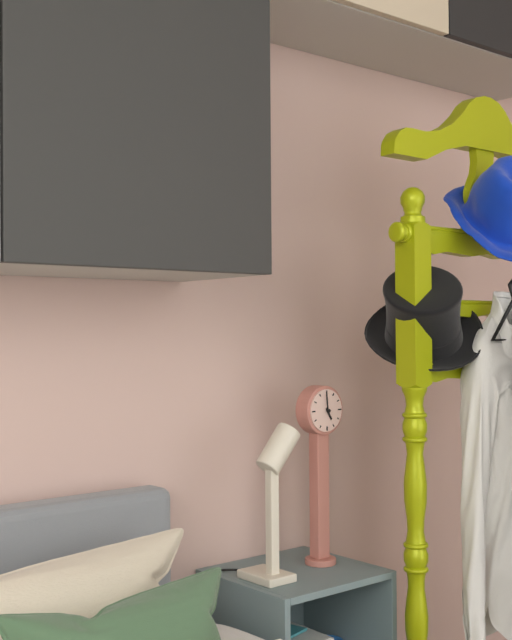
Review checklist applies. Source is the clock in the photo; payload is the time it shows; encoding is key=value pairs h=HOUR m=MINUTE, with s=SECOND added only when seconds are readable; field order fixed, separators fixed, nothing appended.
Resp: h=4 m=59
